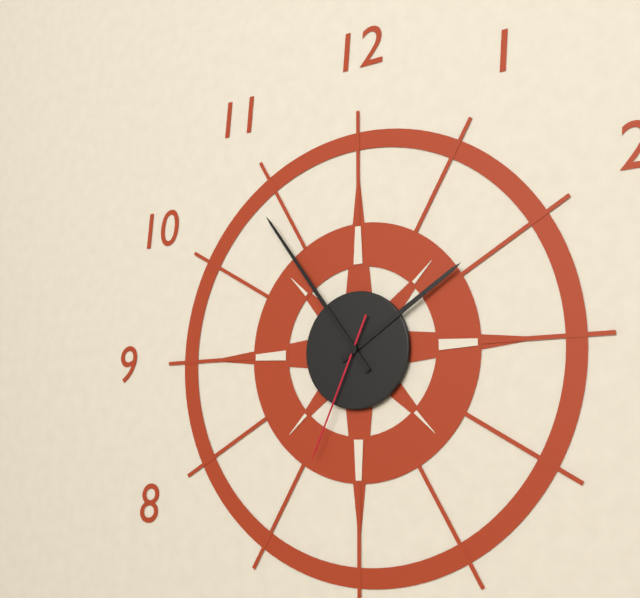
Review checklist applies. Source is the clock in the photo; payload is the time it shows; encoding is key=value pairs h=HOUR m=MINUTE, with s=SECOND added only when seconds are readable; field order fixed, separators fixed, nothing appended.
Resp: h=1 m=54 s=34
